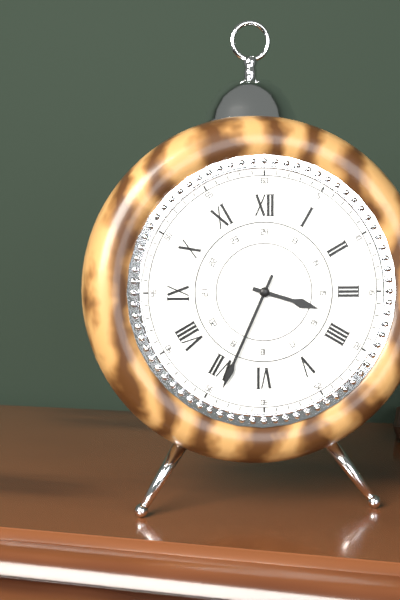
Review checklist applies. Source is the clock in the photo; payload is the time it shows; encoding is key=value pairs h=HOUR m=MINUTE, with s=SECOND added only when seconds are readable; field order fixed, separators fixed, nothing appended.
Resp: h=3 m=34
